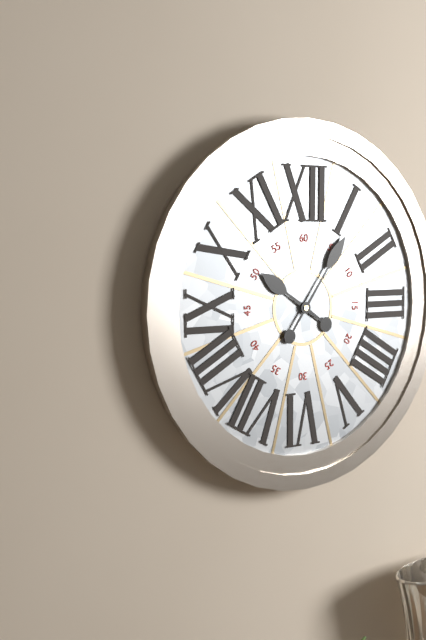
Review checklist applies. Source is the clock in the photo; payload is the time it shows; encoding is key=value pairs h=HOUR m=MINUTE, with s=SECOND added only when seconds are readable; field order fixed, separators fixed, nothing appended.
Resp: h=10 m=6
